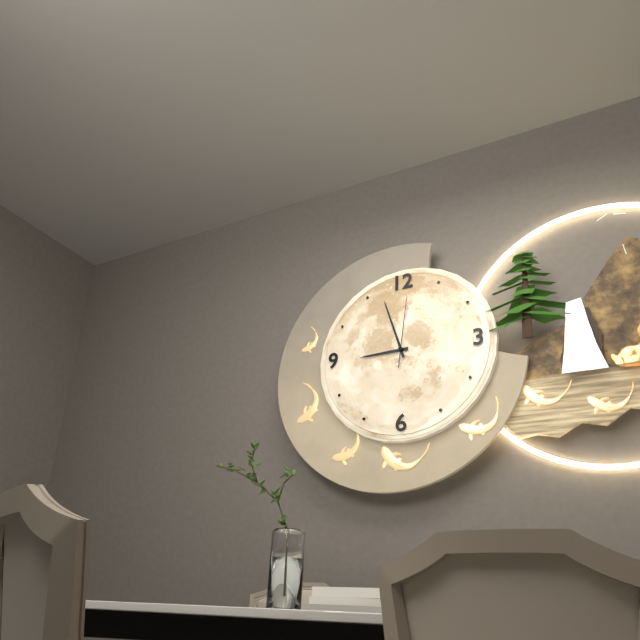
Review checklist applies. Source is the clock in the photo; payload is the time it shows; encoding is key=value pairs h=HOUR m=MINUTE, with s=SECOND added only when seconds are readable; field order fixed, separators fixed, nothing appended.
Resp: h=8 m=57 s=1
